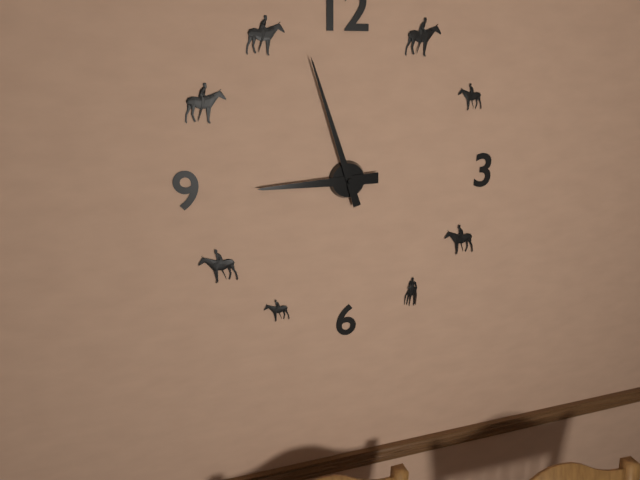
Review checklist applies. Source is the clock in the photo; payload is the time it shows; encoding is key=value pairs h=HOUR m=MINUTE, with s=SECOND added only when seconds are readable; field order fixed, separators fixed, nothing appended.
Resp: h=8 m=57
